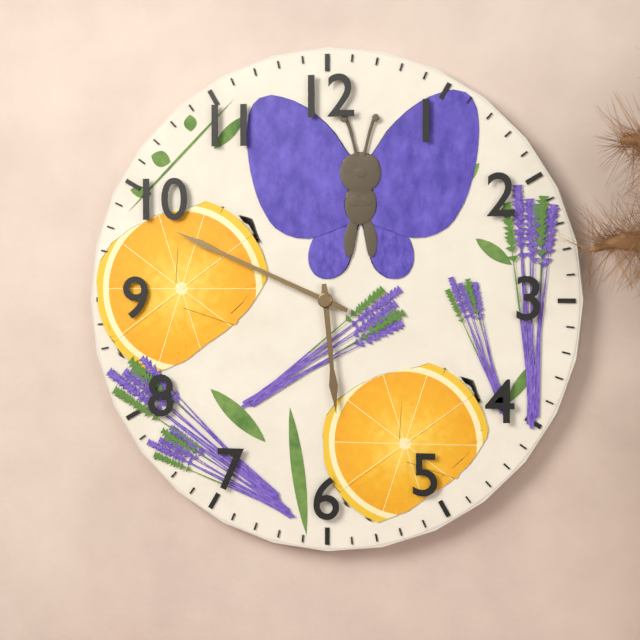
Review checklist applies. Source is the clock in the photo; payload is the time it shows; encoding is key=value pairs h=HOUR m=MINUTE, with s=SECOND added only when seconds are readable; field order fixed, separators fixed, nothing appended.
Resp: h=5 m=49
